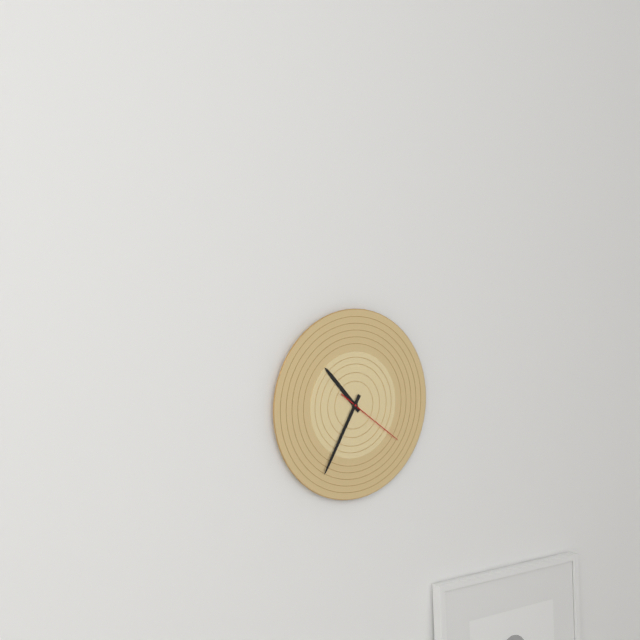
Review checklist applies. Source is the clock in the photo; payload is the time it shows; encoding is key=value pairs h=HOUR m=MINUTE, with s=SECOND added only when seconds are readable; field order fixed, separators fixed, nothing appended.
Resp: h=10 m=35 s=21
